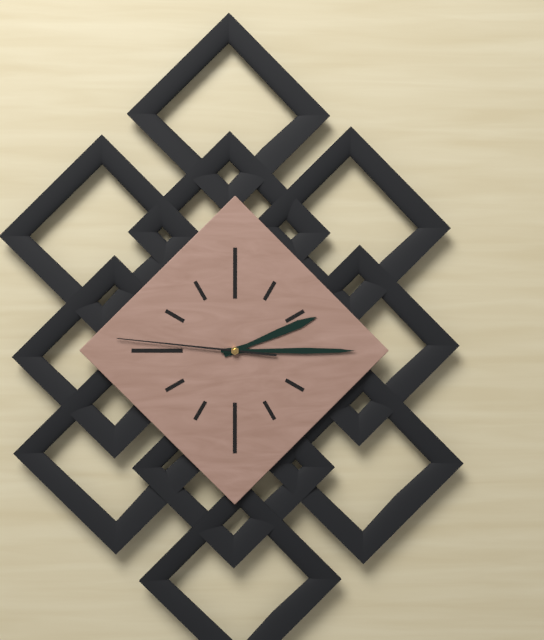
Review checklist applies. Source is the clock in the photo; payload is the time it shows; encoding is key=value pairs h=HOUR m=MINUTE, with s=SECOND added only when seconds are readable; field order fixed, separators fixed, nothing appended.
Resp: h=2 m=15 s=46
